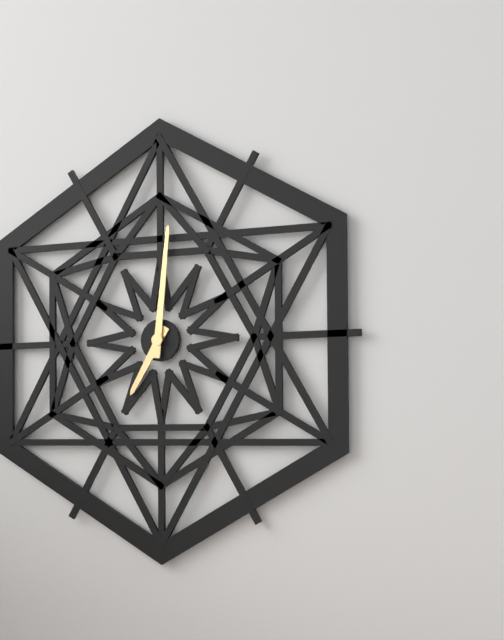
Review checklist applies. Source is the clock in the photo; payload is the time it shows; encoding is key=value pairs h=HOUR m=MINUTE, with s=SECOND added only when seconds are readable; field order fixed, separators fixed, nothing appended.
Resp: h=7 m=1
